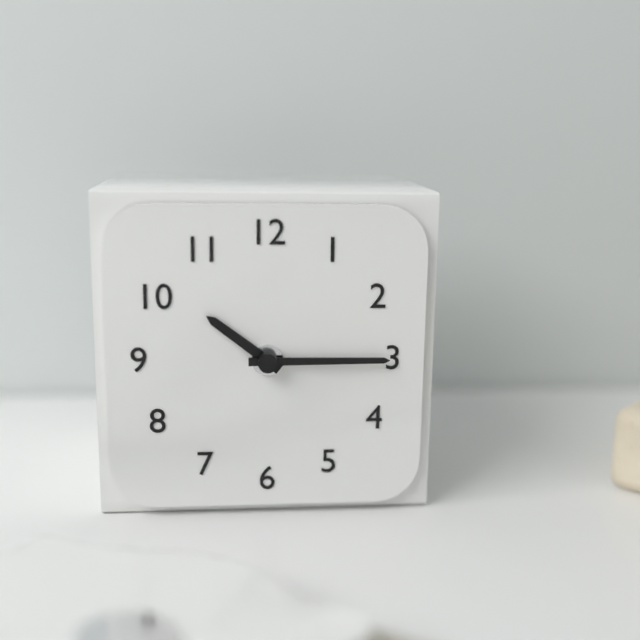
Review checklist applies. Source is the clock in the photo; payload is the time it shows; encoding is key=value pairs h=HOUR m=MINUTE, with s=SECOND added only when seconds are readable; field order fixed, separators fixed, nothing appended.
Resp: h=10 m=15
